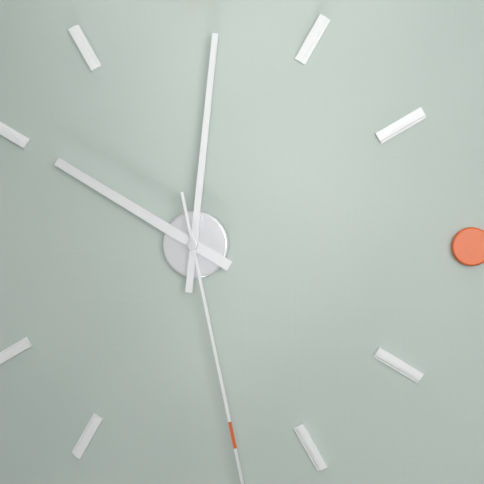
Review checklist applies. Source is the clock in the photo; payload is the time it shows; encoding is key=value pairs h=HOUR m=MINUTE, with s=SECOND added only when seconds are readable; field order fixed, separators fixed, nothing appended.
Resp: h=10 m=1
